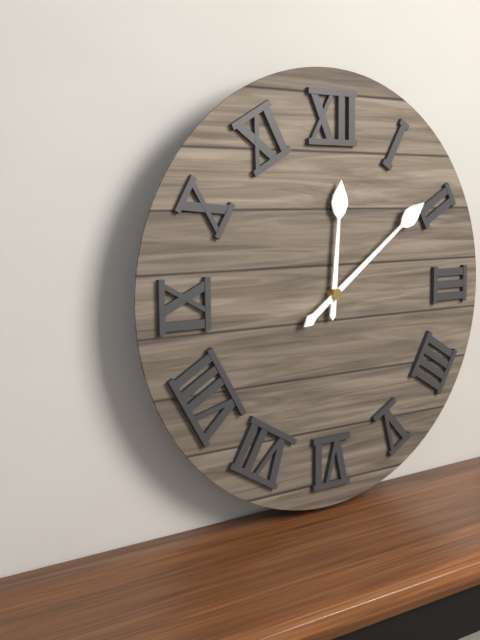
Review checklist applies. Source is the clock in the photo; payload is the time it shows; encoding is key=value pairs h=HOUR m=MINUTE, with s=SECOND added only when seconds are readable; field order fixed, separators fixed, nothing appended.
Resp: h=12 m=9
